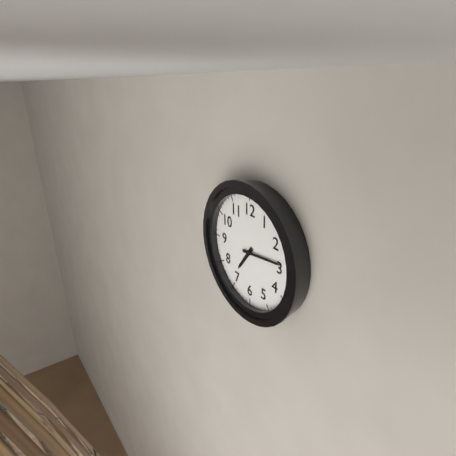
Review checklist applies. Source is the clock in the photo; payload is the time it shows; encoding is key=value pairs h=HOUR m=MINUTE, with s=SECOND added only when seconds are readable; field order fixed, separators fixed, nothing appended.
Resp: h=7 m=14
